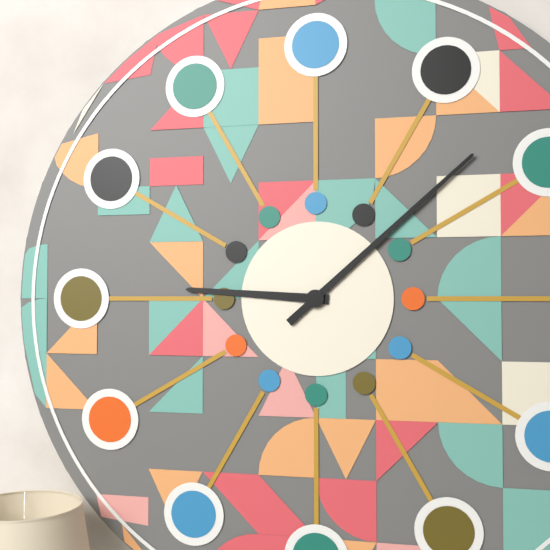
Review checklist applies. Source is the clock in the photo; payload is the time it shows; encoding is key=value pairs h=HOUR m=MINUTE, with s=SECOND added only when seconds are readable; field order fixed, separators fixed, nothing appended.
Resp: h=9 m=8
